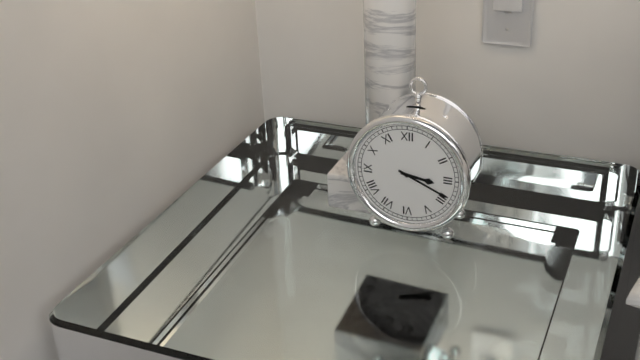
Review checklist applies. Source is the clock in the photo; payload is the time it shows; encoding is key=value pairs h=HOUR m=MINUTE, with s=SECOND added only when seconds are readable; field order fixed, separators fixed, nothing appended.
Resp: h=3 m=19
